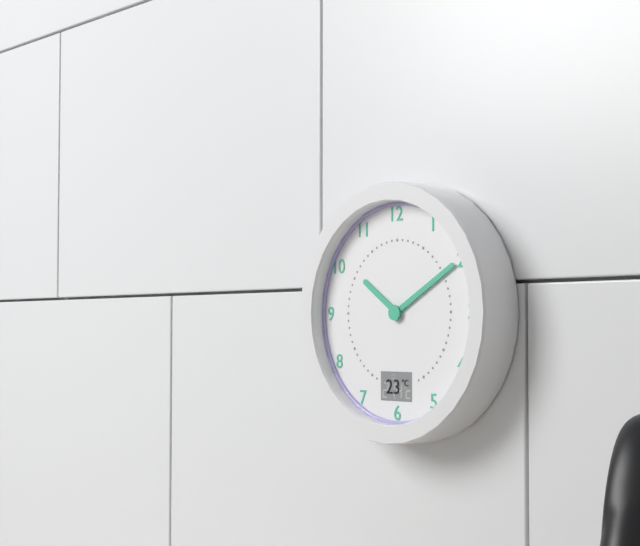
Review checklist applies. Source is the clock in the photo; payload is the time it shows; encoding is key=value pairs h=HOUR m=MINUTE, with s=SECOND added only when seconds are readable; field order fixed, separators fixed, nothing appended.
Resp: h=10 m=10
